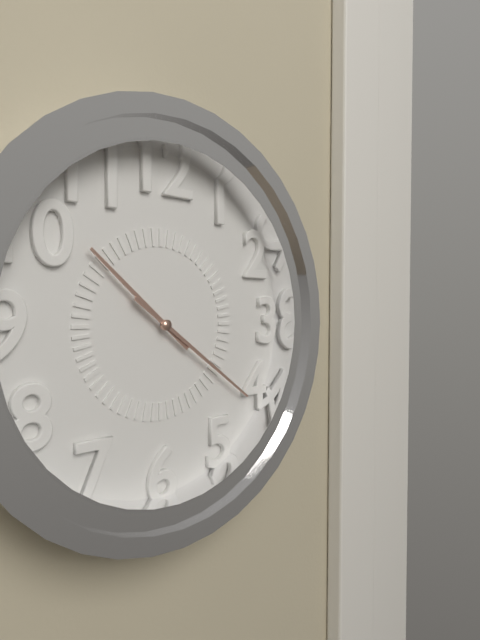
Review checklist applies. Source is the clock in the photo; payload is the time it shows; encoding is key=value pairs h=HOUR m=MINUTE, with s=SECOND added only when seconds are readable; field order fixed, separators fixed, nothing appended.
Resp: h=10 m=21
